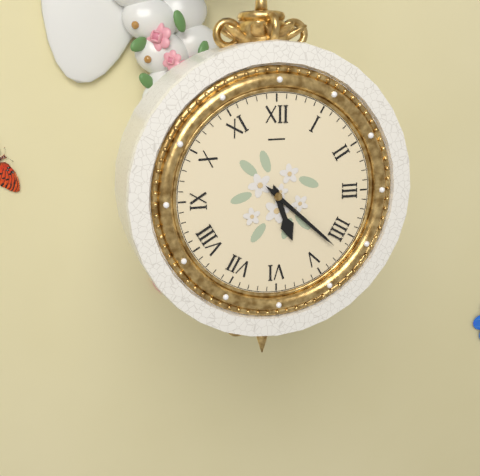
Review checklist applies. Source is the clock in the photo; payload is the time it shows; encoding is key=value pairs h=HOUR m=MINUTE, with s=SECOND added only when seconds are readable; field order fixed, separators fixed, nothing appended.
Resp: h=5 m=22
